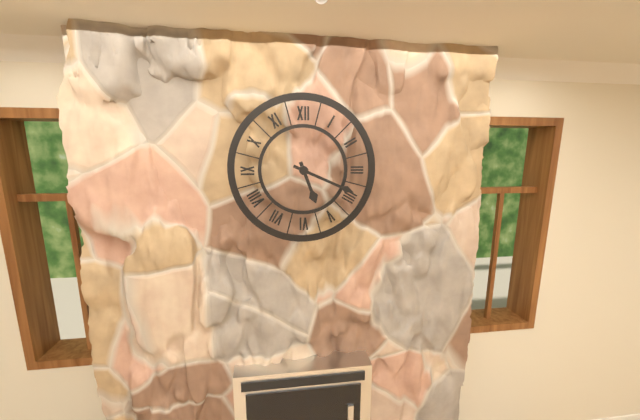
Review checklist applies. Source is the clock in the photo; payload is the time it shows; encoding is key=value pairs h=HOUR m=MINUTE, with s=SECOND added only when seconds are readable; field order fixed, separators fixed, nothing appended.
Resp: h=5 m=19
